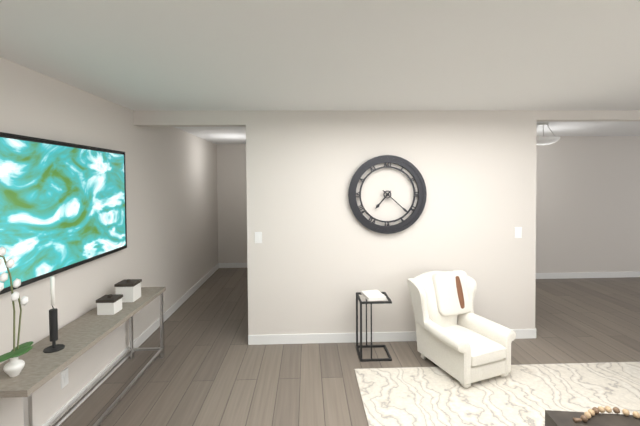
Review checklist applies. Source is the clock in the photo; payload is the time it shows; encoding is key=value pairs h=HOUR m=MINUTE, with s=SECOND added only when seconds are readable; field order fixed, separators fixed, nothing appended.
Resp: h=7 m=22
